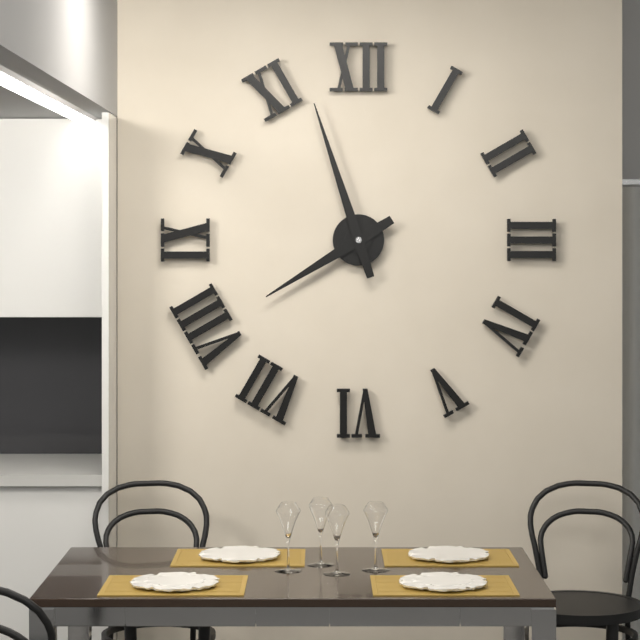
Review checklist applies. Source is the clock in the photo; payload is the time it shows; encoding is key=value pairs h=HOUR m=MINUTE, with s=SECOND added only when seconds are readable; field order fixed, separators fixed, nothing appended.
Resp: h=7 m=57
